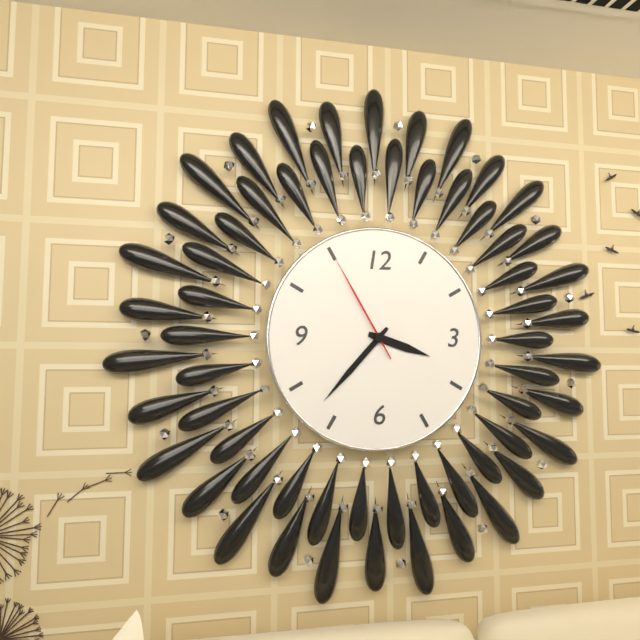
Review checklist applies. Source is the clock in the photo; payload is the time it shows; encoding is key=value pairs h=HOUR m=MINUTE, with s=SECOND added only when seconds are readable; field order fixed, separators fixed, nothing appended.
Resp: h=3 m=37 s=55
